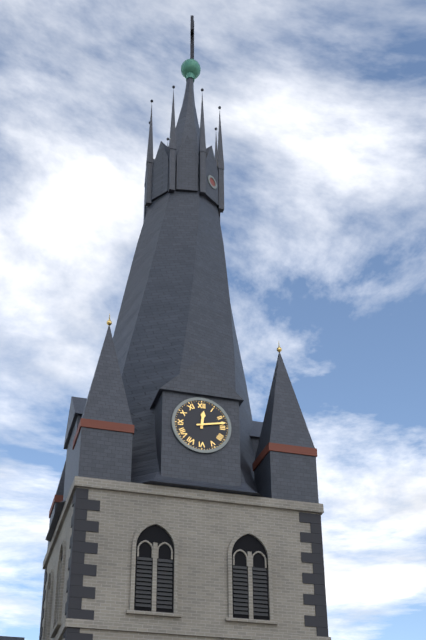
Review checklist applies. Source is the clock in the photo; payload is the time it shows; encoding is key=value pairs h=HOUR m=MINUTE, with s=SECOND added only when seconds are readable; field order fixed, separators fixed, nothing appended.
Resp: h=12 m=13
